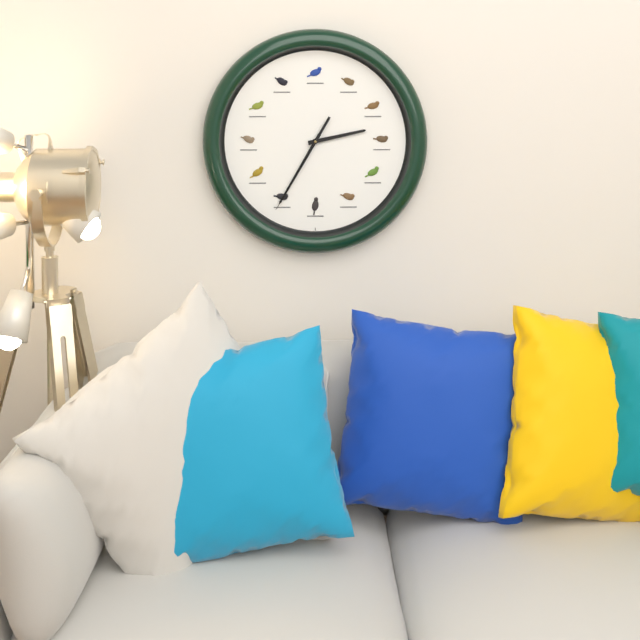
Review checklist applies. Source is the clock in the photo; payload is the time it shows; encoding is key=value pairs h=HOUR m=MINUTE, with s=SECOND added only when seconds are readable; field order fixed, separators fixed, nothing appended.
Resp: h=2 m=35 s=35
